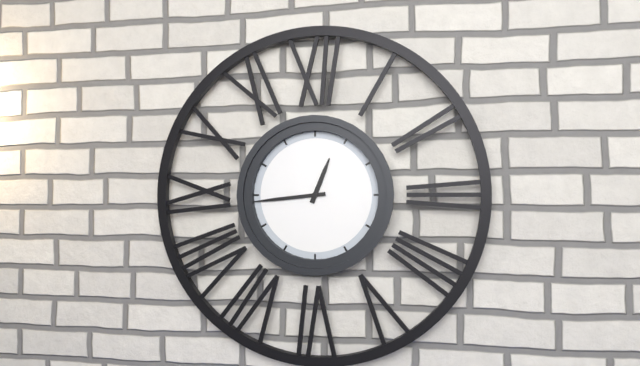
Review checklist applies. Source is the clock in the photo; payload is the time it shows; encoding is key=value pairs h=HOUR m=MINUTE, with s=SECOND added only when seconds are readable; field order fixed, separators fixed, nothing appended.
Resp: h=12 m=44
